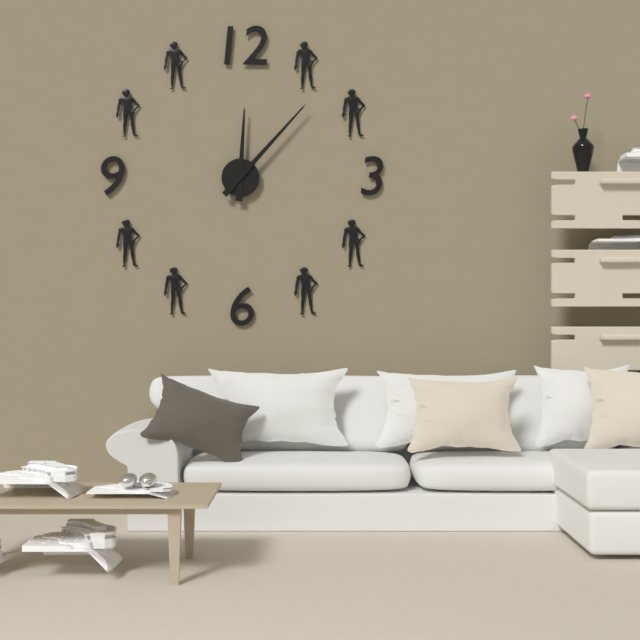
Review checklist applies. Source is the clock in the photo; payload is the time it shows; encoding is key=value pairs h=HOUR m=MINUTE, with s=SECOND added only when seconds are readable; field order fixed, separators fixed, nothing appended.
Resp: h=12 m=7
